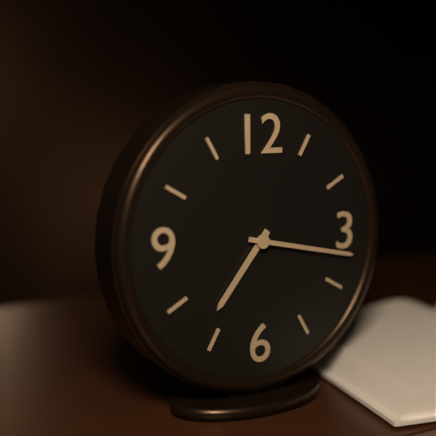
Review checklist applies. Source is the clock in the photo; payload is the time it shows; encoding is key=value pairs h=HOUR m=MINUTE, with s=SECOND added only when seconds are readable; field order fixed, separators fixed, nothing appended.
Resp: h=7 m=17
